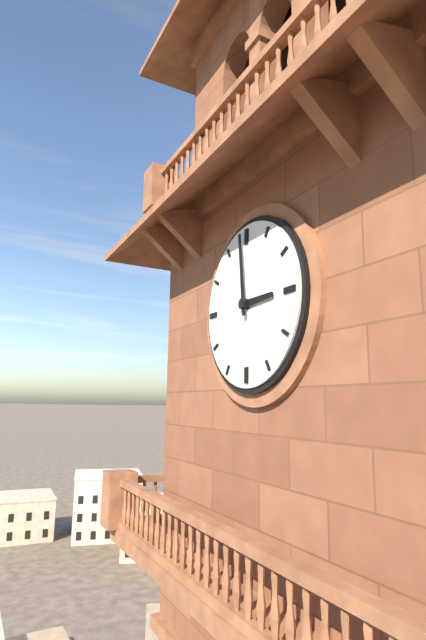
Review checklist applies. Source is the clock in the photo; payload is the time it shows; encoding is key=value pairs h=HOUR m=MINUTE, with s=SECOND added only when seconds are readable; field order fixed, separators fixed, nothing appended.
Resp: h=2 m=59
